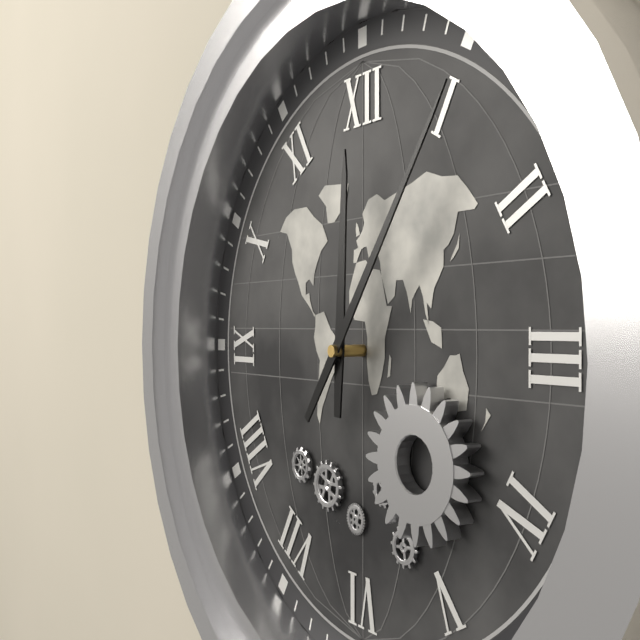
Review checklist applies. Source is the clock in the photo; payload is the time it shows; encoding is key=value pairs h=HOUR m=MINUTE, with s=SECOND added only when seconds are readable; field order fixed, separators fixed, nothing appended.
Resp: h=12 m=6
